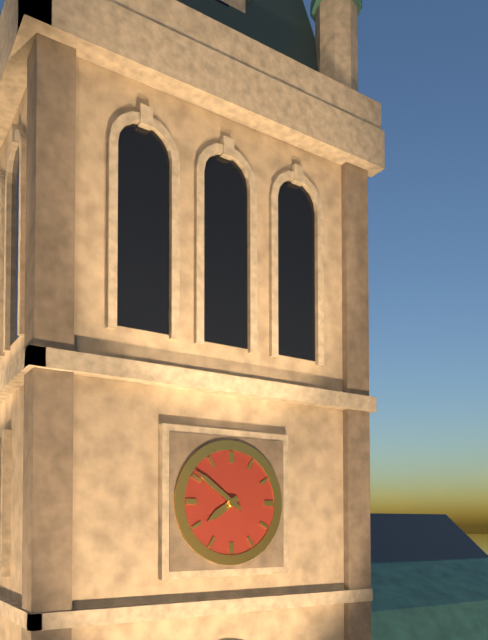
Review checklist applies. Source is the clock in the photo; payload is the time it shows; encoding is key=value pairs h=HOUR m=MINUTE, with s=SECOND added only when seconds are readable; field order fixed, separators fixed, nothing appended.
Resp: h=7 m=51
